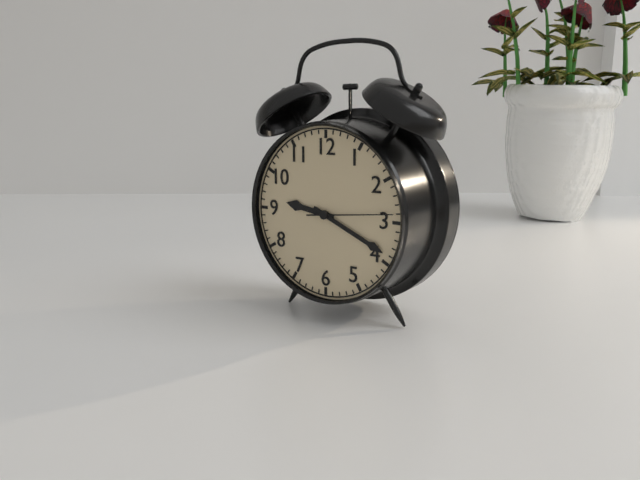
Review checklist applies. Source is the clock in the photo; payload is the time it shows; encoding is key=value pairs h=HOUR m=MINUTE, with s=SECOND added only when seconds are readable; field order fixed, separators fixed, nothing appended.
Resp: h=9 m=19 s=14
